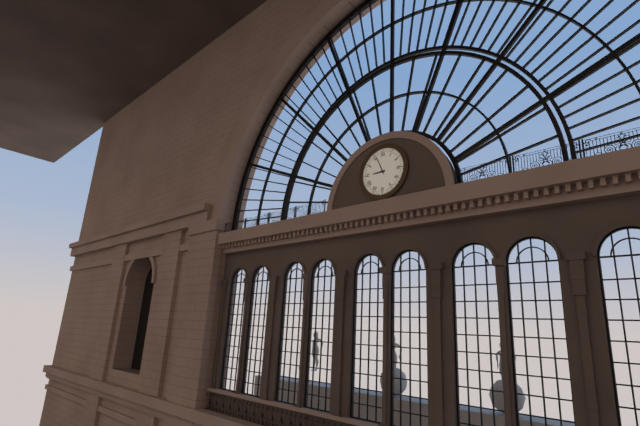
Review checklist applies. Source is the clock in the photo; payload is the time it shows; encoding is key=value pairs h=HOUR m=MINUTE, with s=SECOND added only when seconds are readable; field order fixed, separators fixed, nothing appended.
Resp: h=8 m=56
